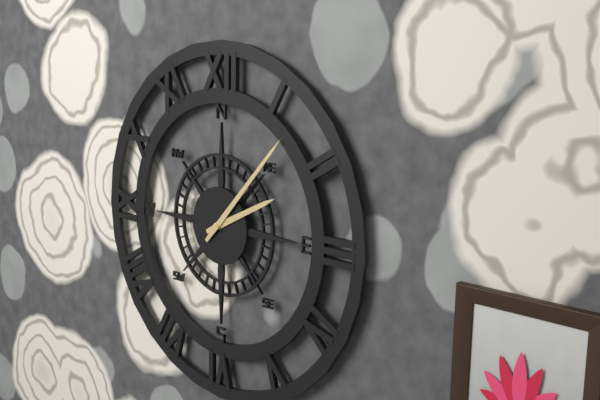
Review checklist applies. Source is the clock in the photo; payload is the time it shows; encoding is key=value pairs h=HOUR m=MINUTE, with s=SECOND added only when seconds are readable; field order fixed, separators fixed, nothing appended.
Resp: h=2 m=7
